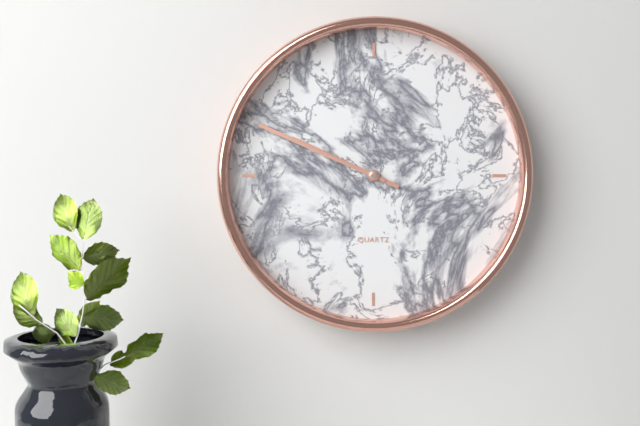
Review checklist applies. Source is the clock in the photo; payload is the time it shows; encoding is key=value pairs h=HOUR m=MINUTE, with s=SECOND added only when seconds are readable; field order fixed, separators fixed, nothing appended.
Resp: h=9 m=49
